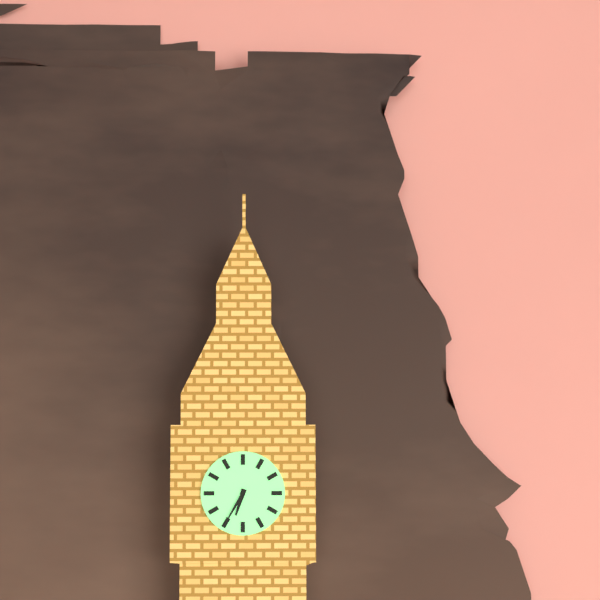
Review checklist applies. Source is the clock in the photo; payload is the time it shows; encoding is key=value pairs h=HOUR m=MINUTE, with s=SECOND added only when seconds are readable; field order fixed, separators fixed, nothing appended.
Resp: h=6 m=35
